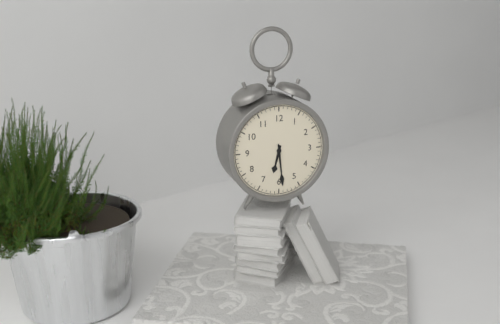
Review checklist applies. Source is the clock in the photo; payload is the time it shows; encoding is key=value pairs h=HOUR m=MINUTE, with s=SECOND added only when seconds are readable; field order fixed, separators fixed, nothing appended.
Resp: h=6 m=29
